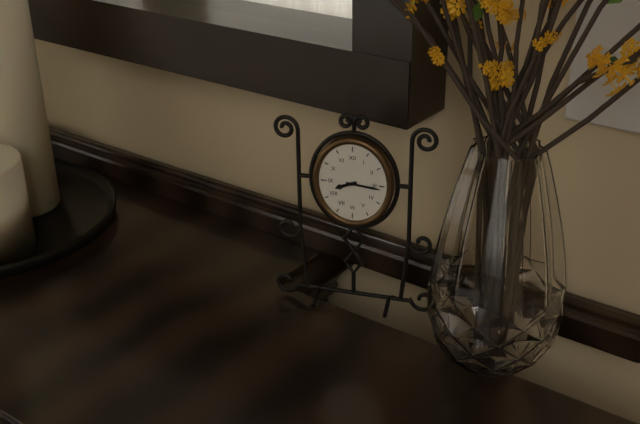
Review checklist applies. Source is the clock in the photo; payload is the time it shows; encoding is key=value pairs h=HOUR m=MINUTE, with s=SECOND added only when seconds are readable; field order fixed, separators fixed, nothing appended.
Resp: h=8 m=16
